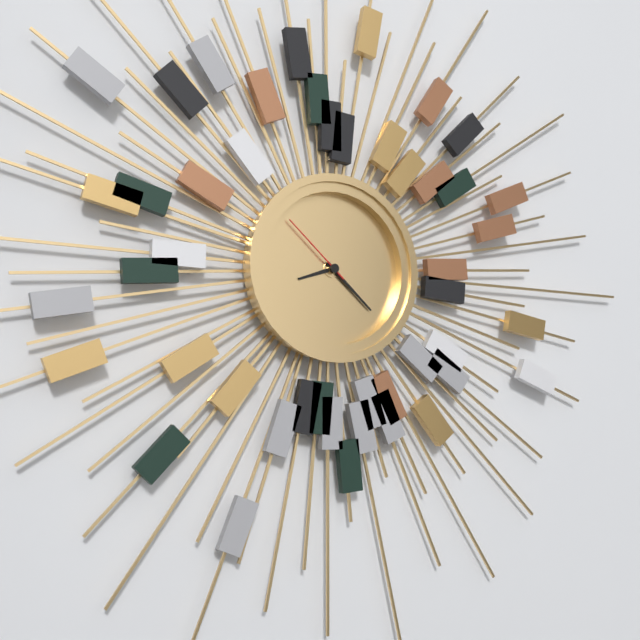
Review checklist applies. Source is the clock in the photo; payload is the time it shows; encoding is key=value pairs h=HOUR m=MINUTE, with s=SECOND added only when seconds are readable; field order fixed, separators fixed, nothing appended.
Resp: h=8 m=22 s=52
